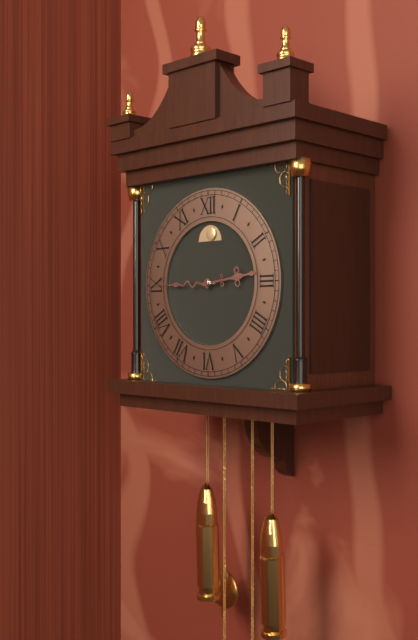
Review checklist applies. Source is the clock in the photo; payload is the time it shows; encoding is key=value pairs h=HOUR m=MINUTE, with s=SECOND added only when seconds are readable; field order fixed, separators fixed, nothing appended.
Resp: h=2 m=45
